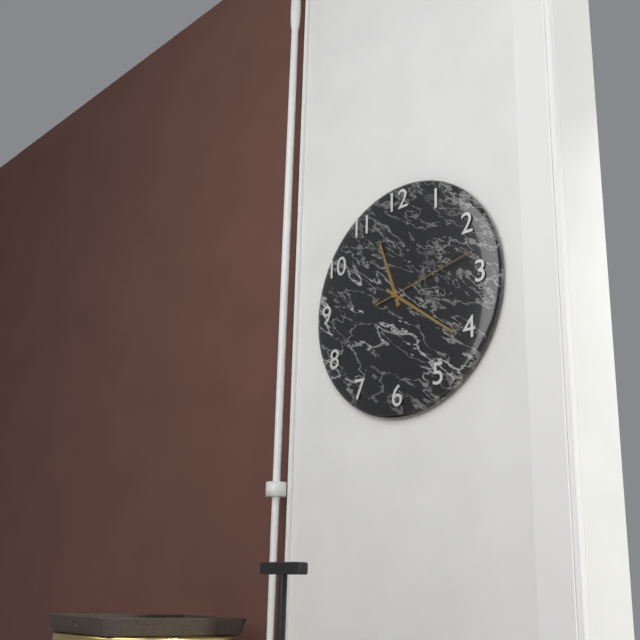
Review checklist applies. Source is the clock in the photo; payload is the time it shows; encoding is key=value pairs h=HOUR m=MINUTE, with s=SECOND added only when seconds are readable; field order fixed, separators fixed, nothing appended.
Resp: h=11 m=21 s=13
